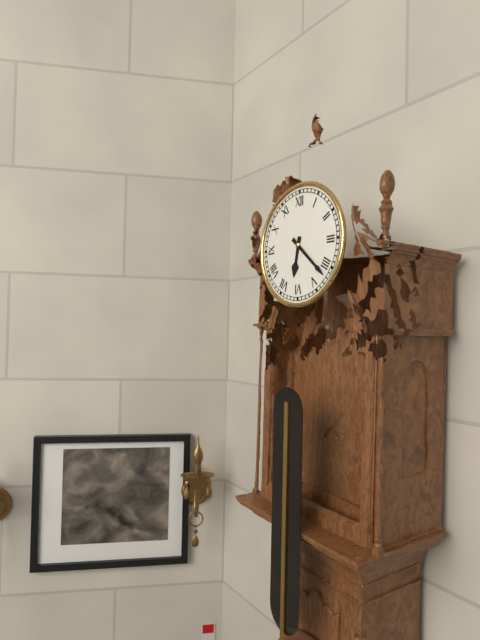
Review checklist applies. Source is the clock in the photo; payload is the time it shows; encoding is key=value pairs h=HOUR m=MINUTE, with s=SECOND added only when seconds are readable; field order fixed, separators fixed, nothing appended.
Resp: h=6 m=22
